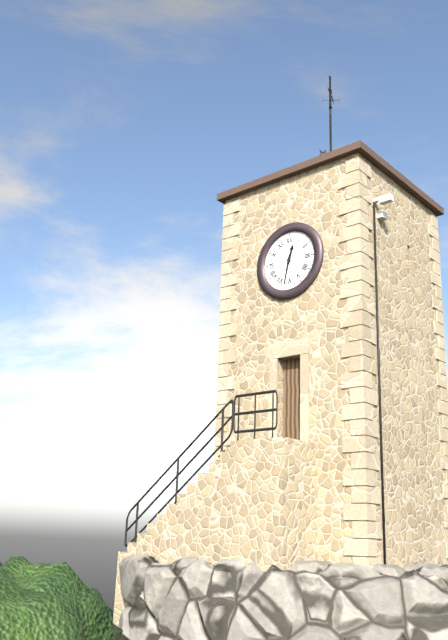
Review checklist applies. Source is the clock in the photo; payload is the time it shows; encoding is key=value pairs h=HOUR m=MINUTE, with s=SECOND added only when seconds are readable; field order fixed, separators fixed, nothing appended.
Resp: h=12 m=32
